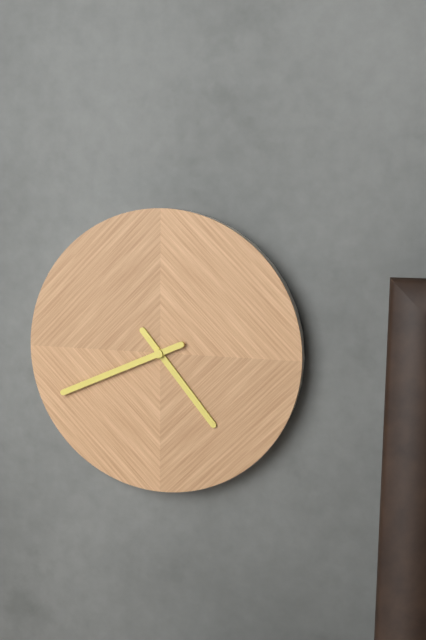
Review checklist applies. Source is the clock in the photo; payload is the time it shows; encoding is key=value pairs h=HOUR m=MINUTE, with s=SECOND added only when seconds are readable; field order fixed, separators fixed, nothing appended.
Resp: h=4 m=41
